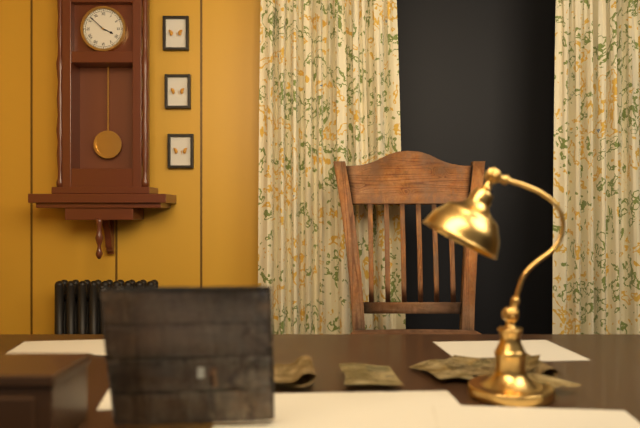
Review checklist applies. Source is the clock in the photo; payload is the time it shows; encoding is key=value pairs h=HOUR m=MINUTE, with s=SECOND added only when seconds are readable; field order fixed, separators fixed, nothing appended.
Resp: h=3 m=52
